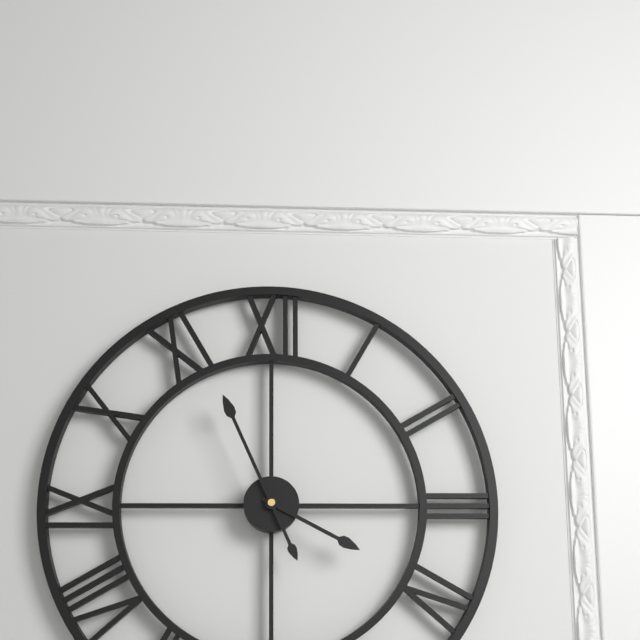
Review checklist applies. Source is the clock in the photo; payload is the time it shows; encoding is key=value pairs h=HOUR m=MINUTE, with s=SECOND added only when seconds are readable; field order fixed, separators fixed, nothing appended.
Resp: h=3 m=56
